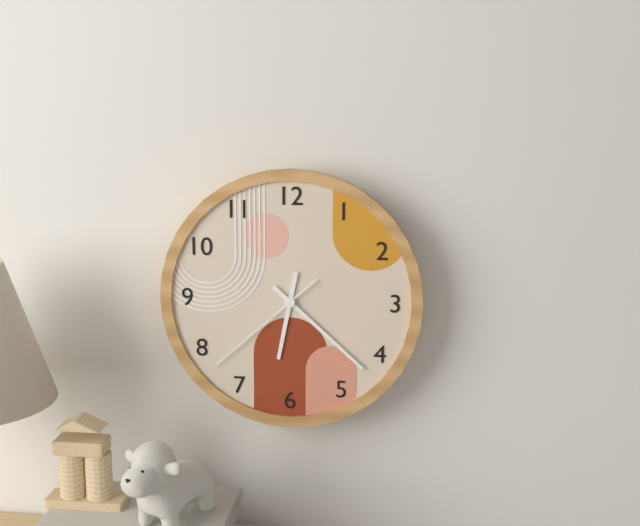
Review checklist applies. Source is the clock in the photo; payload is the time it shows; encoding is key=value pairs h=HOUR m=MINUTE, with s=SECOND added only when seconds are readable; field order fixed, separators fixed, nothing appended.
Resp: h=6 m=22 s=38
